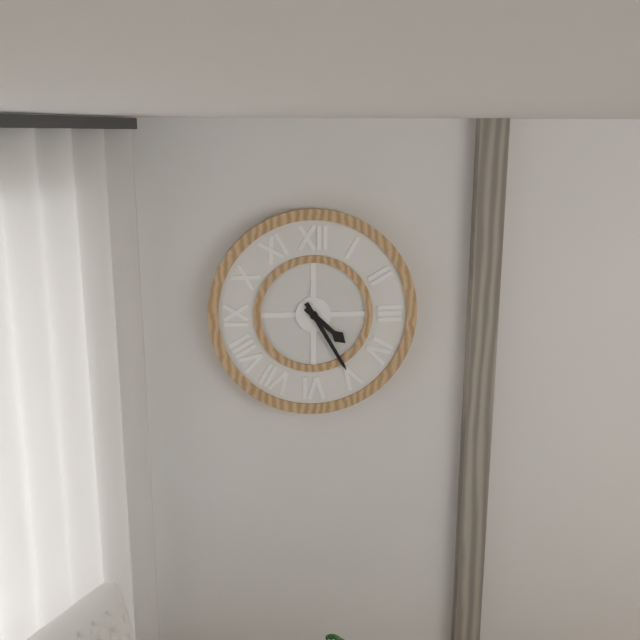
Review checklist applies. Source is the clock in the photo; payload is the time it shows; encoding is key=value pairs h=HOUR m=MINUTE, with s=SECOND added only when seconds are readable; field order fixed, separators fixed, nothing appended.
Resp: h=4 m=25
